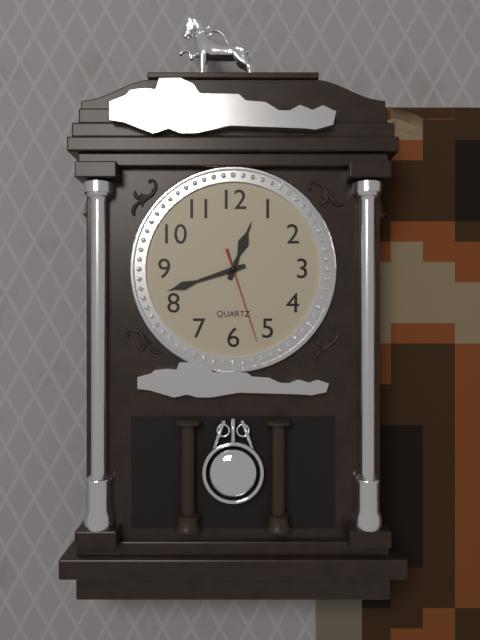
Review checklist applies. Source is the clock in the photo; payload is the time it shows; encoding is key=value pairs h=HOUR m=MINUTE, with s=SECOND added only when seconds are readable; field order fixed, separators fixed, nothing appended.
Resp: h=12 m=42 s=27
